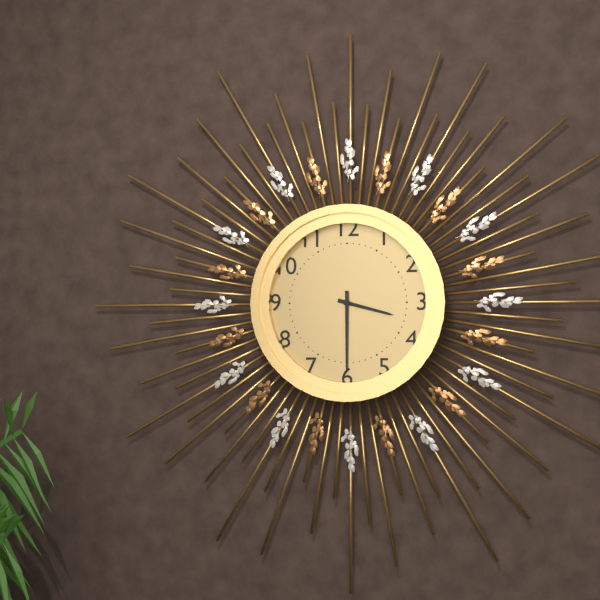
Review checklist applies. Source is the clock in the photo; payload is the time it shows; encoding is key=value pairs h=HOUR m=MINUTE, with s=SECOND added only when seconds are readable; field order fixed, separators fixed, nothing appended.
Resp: h=3 m=30
